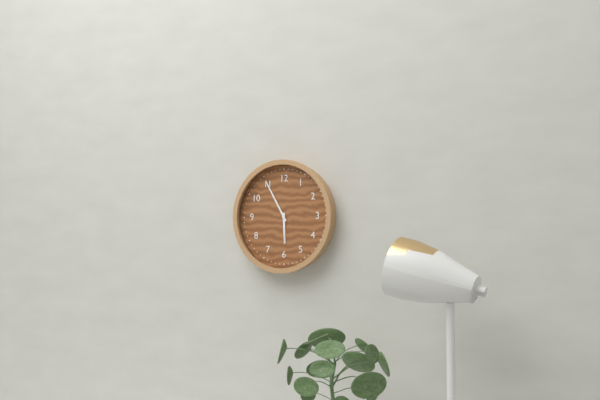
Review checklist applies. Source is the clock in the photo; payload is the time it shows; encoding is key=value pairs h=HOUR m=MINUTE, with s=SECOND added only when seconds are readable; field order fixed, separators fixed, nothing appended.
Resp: h=5 m=55
